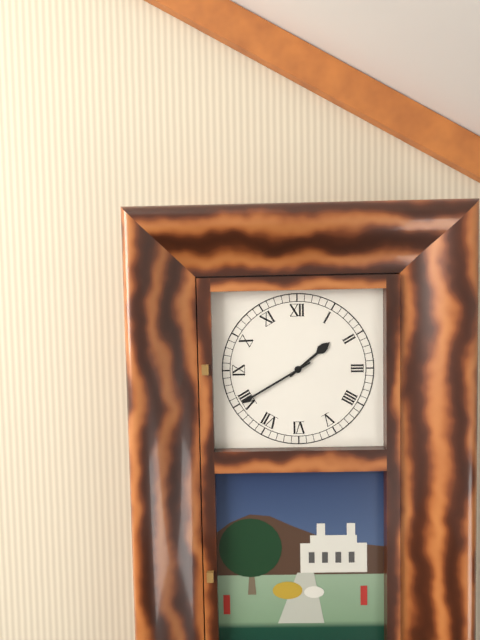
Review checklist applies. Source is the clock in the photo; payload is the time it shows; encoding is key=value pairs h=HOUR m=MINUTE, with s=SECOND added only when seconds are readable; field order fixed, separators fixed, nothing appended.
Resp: h=1 m=40
